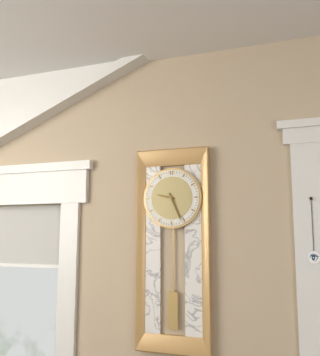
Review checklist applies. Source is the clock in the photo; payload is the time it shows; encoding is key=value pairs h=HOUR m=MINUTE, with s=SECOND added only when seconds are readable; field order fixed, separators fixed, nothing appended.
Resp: h=9 m=26
